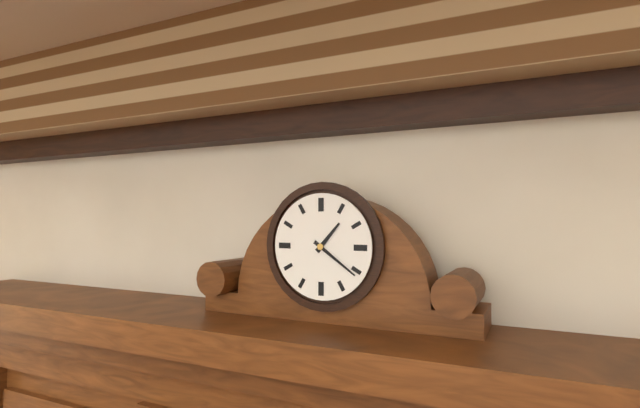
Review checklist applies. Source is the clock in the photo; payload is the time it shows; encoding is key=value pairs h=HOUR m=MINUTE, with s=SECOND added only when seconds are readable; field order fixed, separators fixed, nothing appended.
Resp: h=1 m=21
